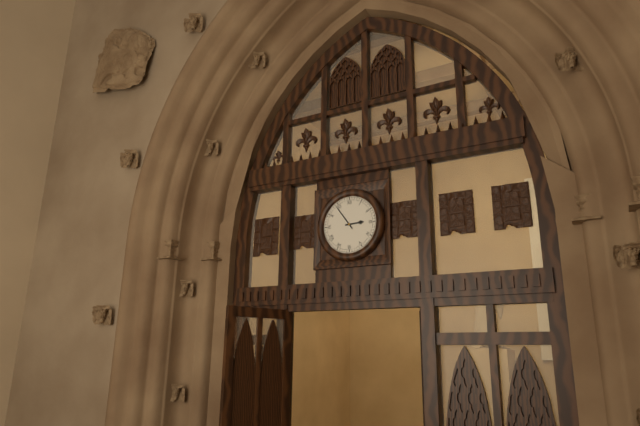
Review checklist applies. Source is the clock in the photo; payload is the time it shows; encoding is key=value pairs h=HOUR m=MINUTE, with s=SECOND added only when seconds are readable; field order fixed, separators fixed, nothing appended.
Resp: h=2 m=54
